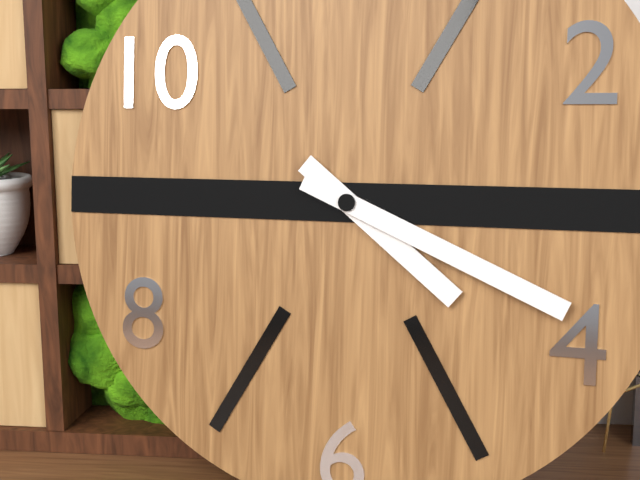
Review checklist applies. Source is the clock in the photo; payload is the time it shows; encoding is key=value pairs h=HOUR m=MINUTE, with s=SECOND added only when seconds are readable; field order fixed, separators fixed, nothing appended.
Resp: h=4 m=19
